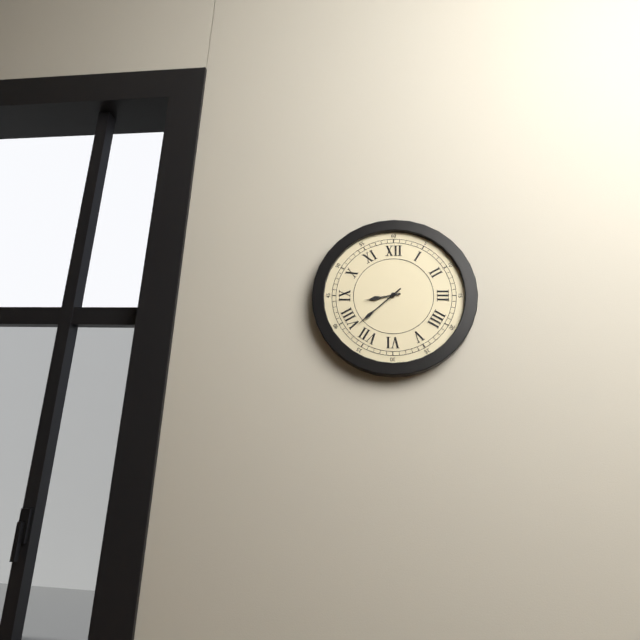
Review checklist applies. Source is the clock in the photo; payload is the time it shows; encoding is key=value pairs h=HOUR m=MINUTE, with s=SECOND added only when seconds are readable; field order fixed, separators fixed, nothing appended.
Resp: h=8 m=38
